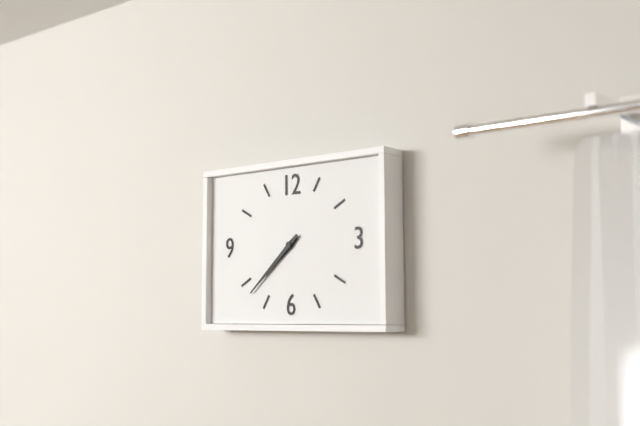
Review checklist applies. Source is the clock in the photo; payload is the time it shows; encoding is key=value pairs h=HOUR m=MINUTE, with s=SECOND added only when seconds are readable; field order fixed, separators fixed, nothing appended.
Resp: h=7 m=38
